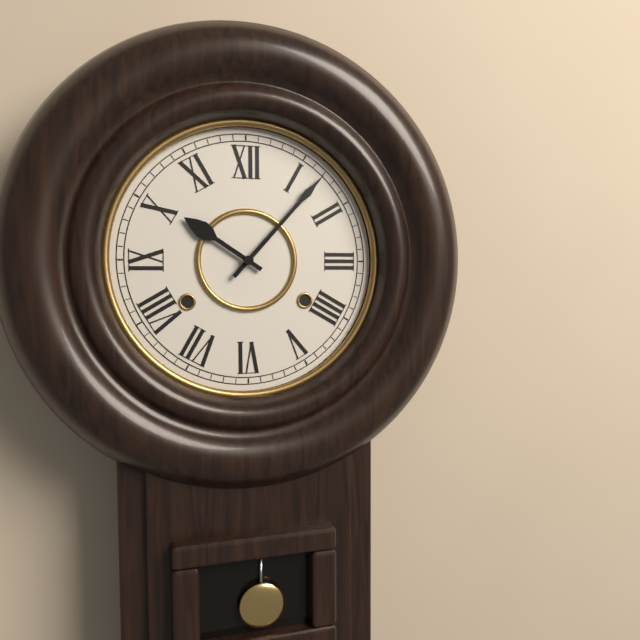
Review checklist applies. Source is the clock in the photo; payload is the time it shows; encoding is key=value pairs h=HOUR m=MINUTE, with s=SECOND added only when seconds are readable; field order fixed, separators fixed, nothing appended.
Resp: h=10 m=7
